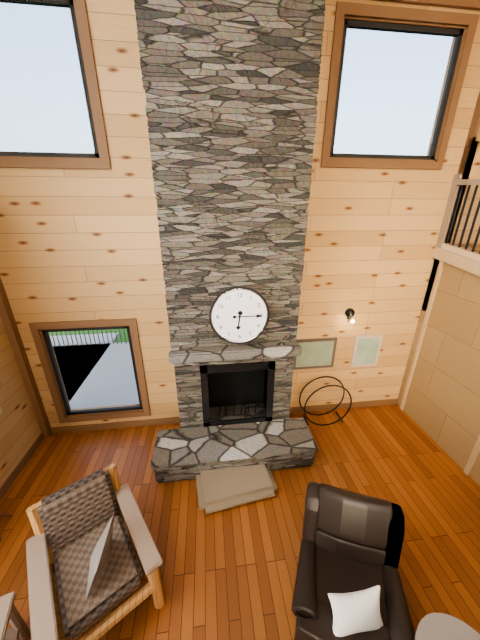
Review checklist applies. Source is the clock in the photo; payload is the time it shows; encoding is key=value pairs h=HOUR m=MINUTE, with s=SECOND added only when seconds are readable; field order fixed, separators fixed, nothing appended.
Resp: h=6 m=15
